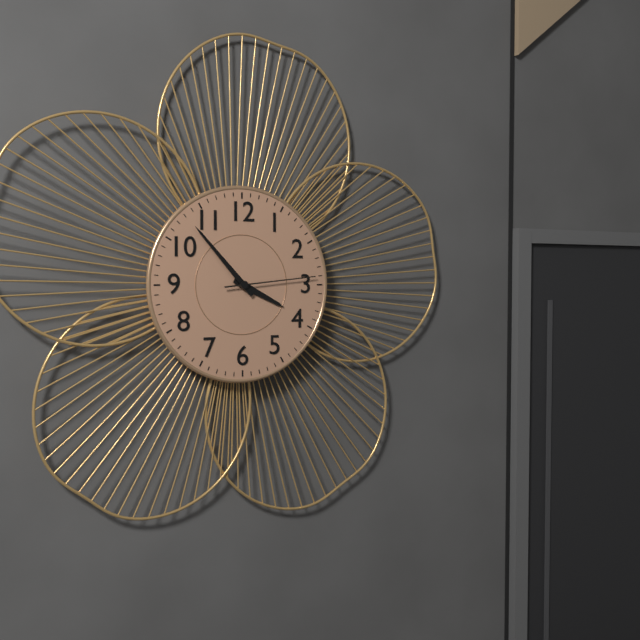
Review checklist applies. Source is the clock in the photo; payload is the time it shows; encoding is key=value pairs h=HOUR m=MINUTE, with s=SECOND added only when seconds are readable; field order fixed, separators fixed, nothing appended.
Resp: h=3 m=53 s=14
